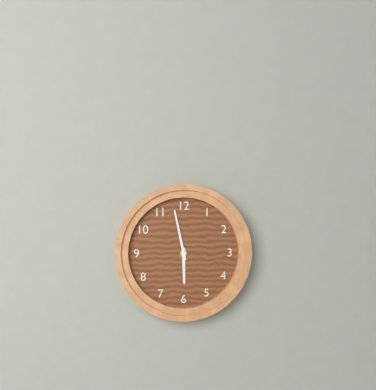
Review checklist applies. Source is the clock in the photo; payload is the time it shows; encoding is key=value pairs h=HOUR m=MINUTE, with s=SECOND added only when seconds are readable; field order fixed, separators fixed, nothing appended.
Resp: h=5 m=58
